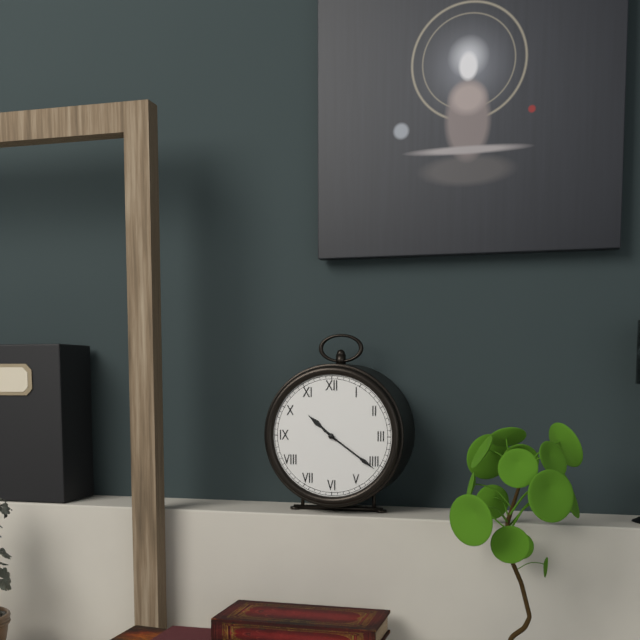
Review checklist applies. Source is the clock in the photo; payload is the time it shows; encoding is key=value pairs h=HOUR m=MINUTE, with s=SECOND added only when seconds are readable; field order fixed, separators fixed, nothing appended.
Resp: h=10 m=21
